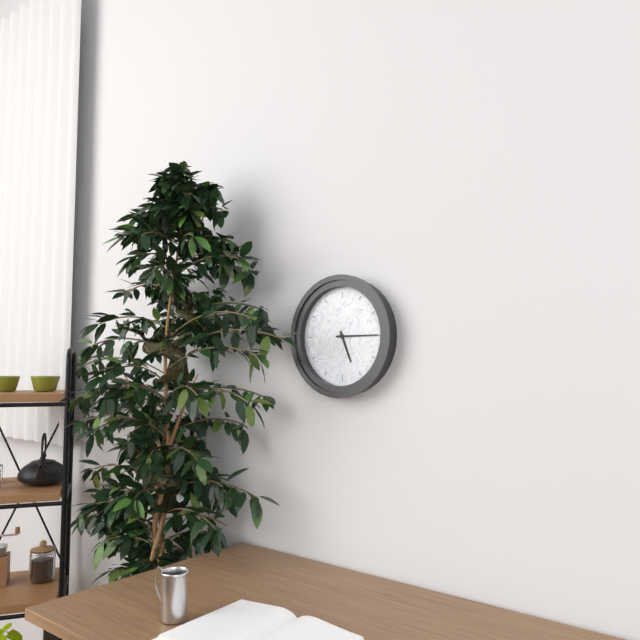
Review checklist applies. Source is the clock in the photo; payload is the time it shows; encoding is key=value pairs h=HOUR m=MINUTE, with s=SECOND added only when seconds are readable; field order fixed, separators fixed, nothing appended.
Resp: h=5 m=15
